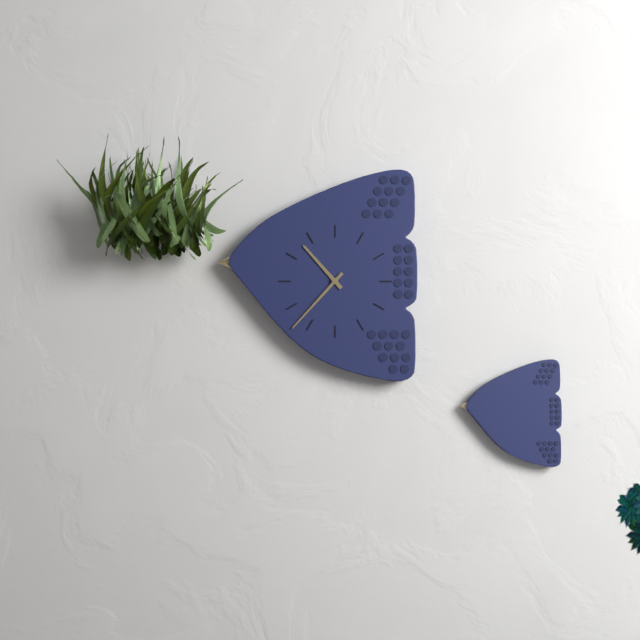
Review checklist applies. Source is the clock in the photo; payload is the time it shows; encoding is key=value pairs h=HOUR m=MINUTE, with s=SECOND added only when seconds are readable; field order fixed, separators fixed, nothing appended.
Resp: h=10 m=37
